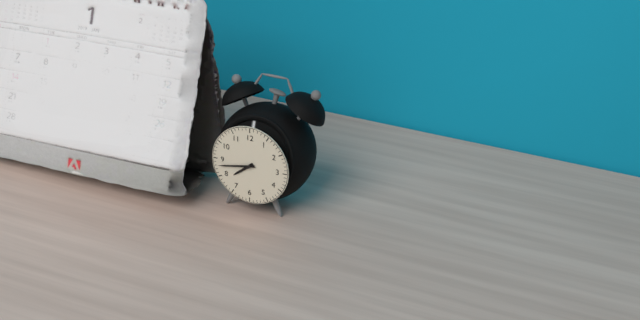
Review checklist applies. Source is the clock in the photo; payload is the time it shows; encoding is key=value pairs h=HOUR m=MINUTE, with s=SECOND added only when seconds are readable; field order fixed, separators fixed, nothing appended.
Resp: h=7 m=43
